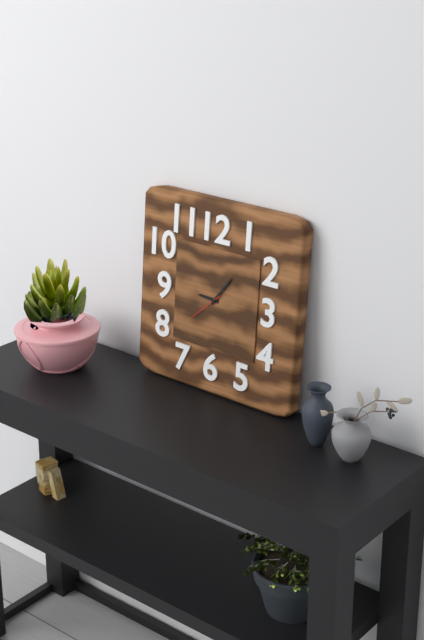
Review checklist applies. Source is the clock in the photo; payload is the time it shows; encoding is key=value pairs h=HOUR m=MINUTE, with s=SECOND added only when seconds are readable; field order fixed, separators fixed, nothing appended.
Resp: h=9 m=6
